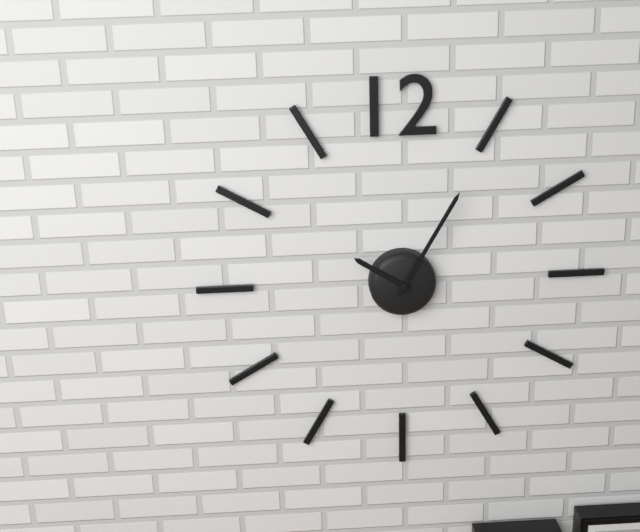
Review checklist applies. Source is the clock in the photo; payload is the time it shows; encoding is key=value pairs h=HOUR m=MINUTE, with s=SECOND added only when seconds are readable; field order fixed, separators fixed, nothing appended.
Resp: h=10 m=5
